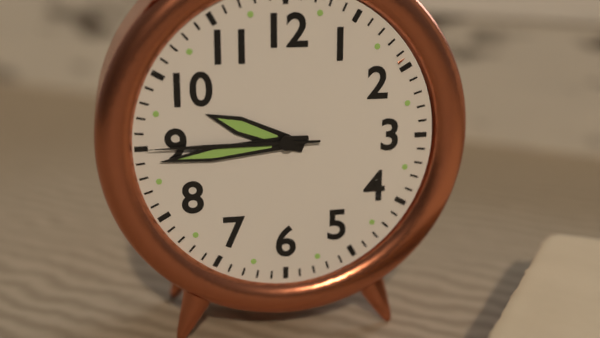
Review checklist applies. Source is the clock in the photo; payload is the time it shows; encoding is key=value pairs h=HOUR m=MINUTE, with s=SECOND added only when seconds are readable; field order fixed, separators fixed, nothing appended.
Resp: h=9 m=44 s=45
